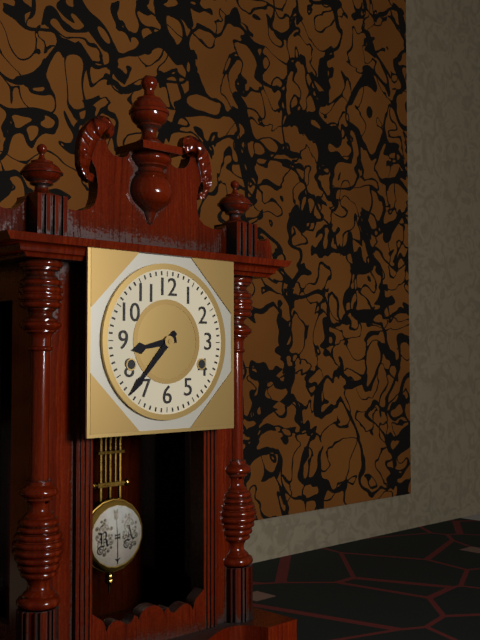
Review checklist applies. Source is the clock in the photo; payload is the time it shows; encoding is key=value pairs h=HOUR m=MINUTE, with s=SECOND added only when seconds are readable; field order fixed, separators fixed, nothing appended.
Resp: h=8 m=37
